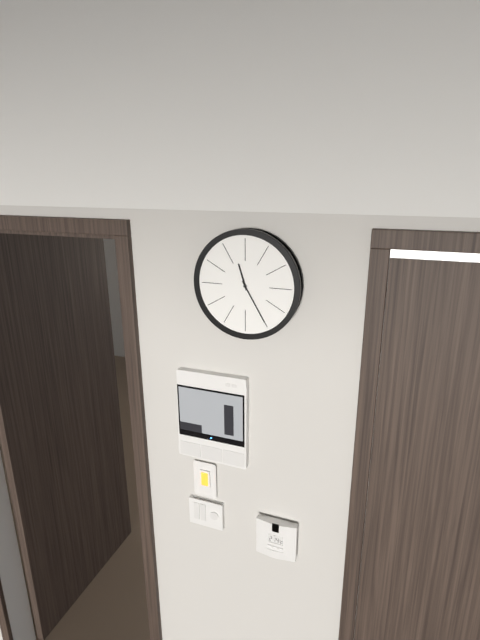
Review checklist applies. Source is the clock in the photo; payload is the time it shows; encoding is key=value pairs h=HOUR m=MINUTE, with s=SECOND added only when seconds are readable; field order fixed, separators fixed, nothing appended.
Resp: h=11 m=25
